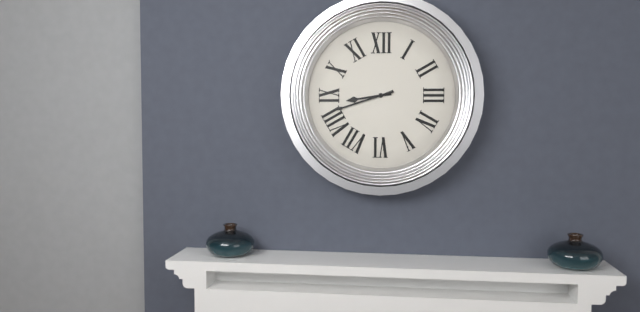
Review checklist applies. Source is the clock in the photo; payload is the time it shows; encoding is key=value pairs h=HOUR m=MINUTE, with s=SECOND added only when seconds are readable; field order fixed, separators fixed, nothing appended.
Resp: h=8 m=42
